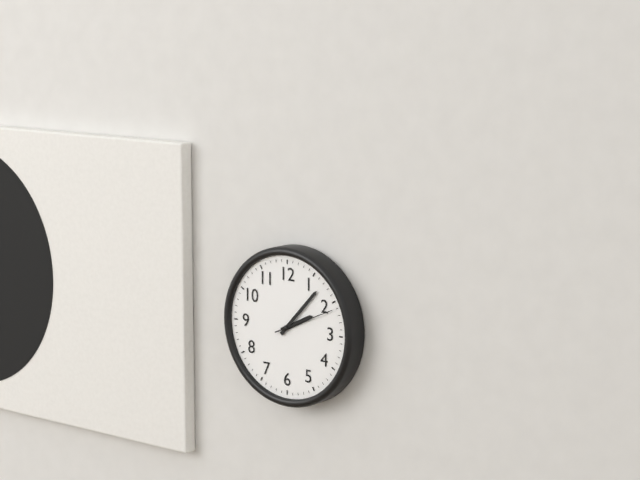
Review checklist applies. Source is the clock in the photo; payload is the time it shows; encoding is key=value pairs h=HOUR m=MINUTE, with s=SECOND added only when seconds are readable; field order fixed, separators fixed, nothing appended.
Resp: h=2 m=7 s=11
